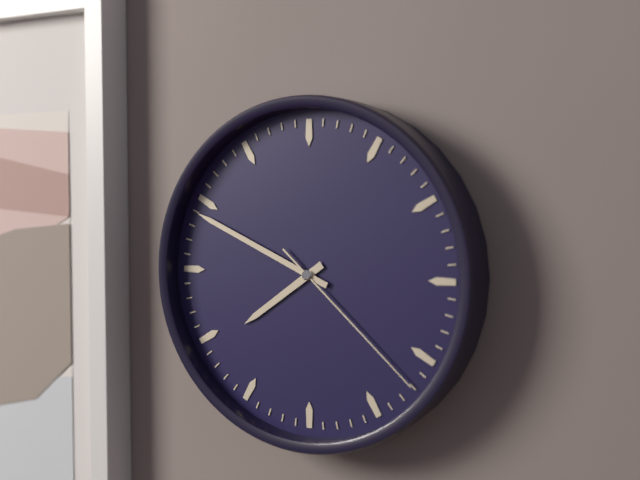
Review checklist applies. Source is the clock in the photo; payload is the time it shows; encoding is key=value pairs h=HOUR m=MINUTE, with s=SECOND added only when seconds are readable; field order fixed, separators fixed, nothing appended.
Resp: h=7 m=49 s=22
